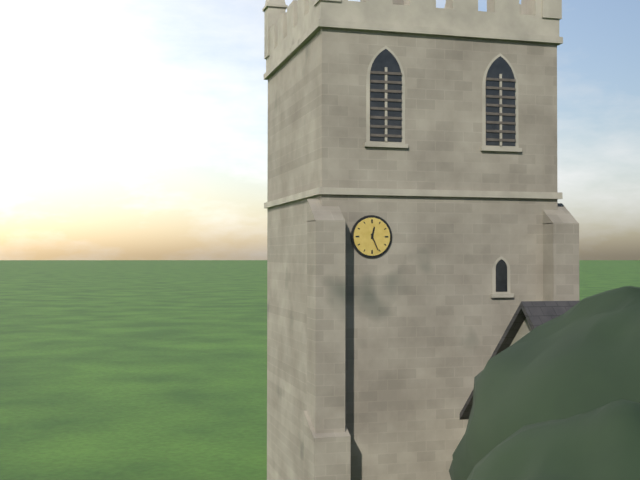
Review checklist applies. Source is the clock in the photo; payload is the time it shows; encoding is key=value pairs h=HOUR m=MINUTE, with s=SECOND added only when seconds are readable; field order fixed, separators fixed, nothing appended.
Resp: h=12 m=26
